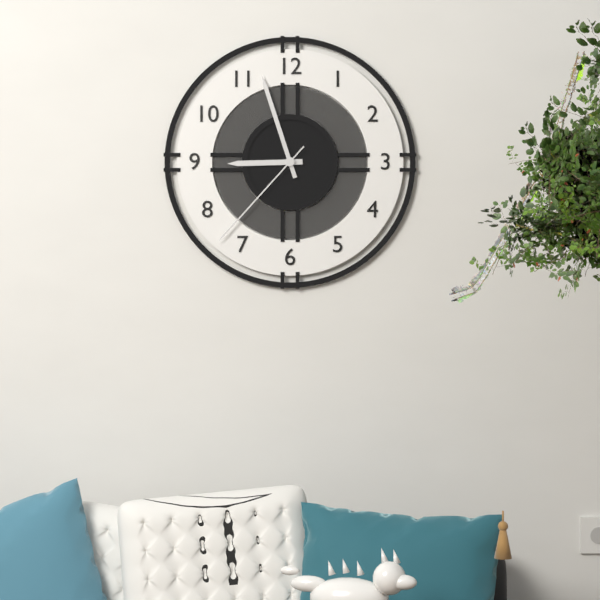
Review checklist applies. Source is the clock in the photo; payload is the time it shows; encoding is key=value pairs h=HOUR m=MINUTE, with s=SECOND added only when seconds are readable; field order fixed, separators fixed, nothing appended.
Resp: h=8 m=57 s=37
